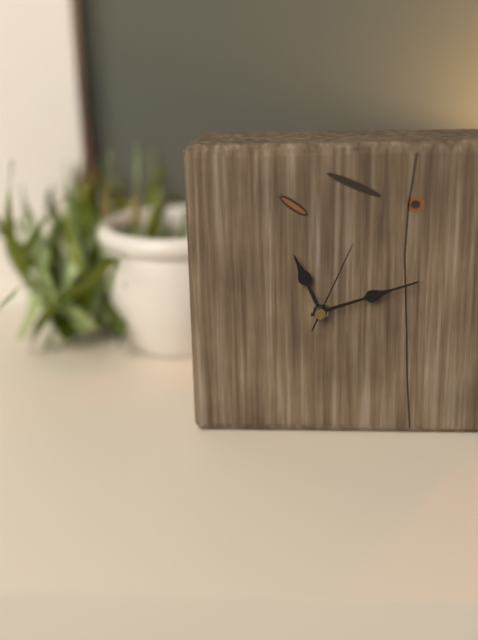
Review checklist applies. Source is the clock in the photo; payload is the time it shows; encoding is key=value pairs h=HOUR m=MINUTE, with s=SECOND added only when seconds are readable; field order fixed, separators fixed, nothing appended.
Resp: h=11 m=12 s=4
